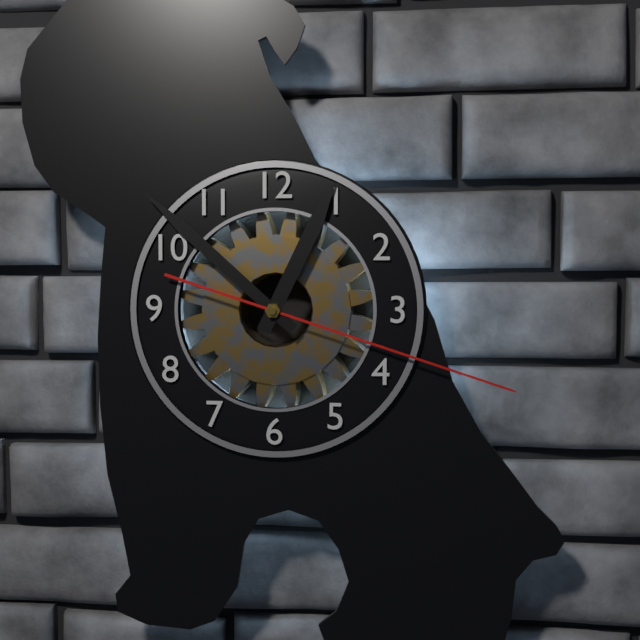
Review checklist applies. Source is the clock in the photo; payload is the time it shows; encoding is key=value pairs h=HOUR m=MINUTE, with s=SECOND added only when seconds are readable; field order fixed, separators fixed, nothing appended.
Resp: h=12 m=52 s=18
